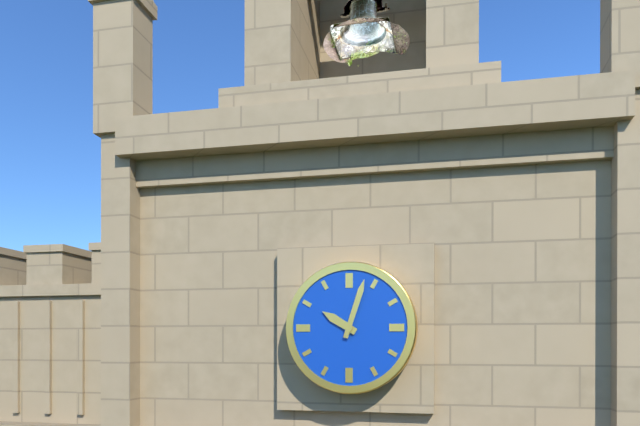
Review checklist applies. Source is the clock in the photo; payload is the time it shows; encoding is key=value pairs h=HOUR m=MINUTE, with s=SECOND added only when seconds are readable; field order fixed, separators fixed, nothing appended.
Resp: h=10 m=3
